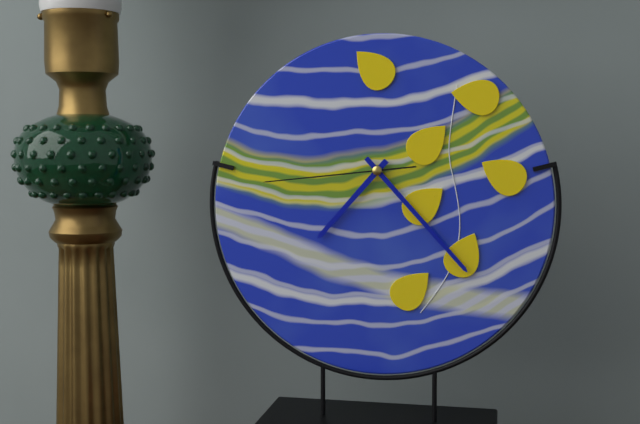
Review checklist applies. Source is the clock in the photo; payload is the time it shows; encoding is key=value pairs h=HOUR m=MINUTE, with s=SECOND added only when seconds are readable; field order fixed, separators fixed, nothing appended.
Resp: h=7 m=23 s=44
